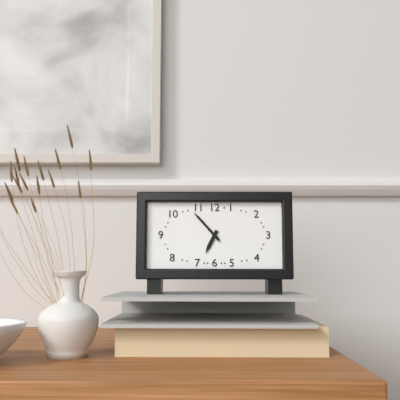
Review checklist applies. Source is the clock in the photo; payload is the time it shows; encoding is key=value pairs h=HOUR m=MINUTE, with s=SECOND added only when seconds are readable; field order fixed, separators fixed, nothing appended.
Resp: h=6 m=53
